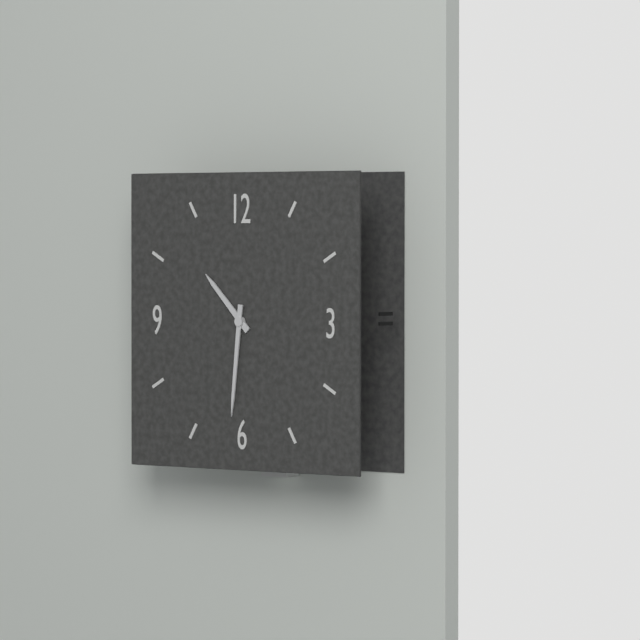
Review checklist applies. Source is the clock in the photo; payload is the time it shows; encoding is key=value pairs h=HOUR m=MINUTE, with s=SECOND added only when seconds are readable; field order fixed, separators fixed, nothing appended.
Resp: h=10 m=31
